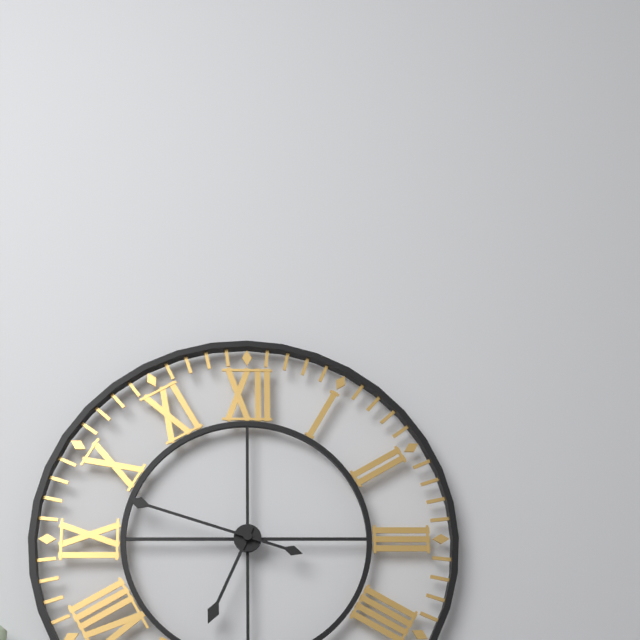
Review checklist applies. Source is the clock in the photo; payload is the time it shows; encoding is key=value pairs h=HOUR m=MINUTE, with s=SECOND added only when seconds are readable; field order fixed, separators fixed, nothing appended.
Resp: h=6 m=48
